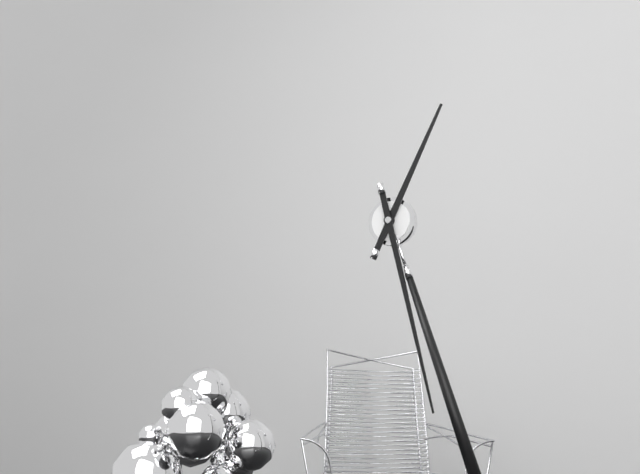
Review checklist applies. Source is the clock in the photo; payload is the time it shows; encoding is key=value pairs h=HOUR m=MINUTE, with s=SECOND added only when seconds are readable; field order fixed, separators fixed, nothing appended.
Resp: h=1 m=31
